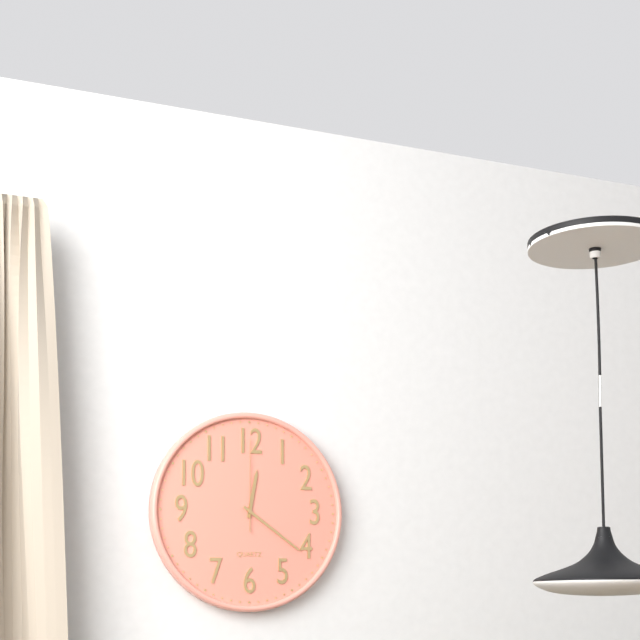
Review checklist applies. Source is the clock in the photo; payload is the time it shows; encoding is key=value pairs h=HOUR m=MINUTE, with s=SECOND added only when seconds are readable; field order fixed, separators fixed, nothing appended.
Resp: h=12 m=21 s=0
